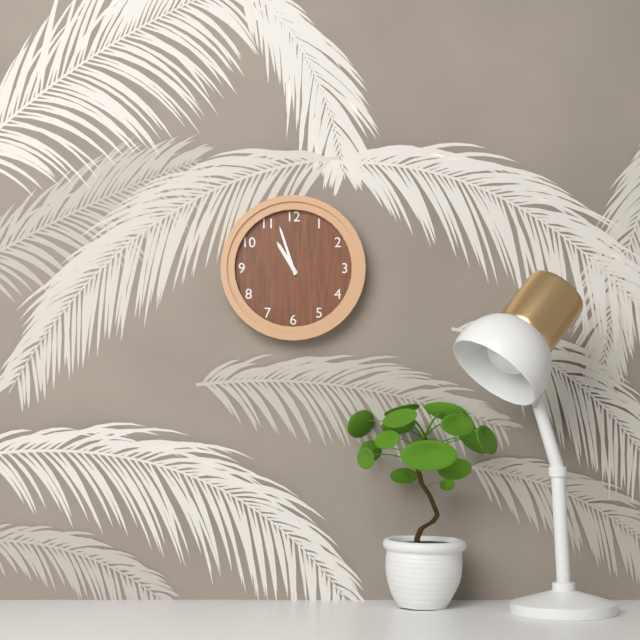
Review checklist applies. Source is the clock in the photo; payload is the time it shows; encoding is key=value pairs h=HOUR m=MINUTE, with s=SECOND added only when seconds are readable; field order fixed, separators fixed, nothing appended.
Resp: h=10 m=57
